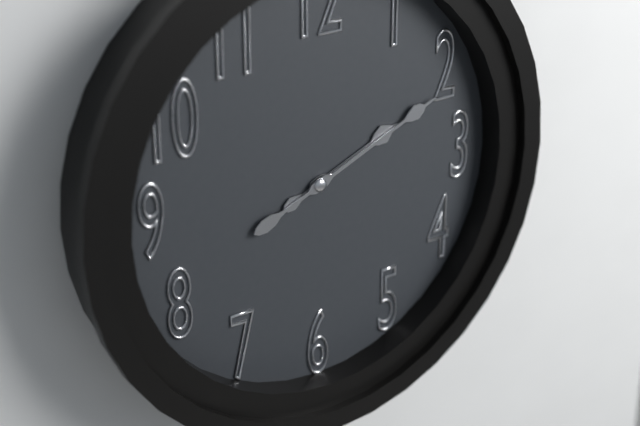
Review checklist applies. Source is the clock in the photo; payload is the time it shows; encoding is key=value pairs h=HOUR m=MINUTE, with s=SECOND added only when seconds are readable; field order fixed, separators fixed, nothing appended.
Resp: h=2 m=11
